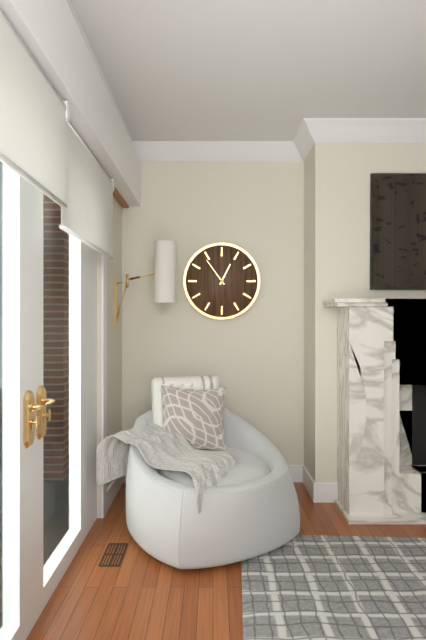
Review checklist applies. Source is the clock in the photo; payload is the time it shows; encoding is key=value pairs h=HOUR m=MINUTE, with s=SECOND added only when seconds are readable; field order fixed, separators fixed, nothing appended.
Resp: h=12 m=54
